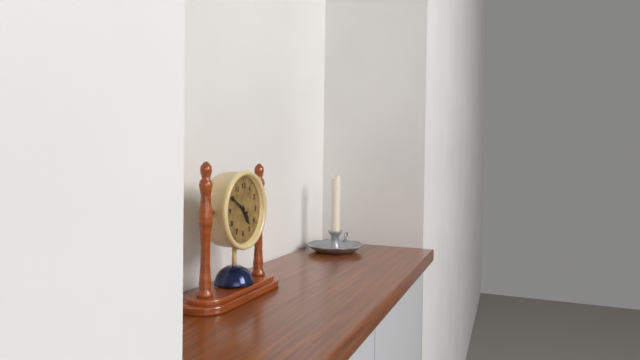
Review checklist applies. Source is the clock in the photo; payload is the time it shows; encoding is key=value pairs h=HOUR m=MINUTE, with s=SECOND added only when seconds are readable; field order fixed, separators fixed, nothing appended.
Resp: h=4 m=50
